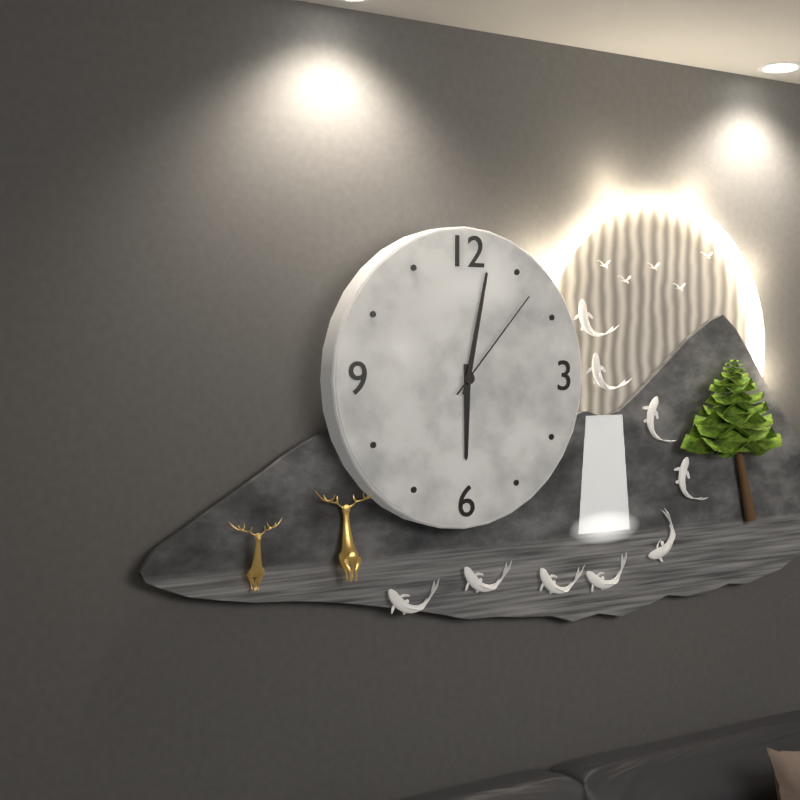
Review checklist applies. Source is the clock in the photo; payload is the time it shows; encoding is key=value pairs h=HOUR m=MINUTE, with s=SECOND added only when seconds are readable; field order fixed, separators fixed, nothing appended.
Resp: h=6 m=2 s=7
